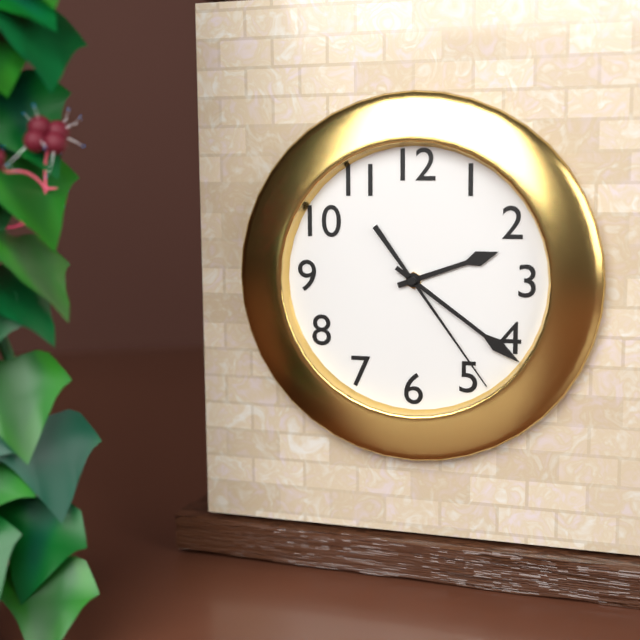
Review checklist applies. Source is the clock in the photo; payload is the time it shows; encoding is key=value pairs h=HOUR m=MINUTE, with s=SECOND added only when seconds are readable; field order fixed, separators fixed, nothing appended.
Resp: h=2 m=21 s=24
